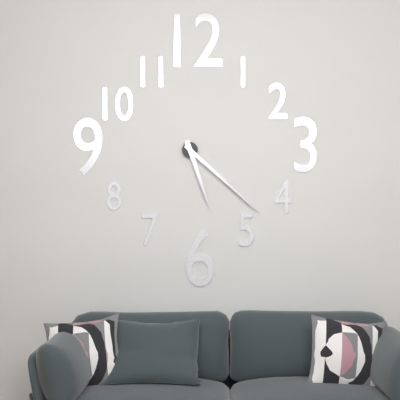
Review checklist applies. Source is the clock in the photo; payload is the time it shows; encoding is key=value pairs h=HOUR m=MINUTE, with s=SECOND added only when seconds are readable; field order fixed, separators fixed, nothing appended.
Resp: h=5 m=22
